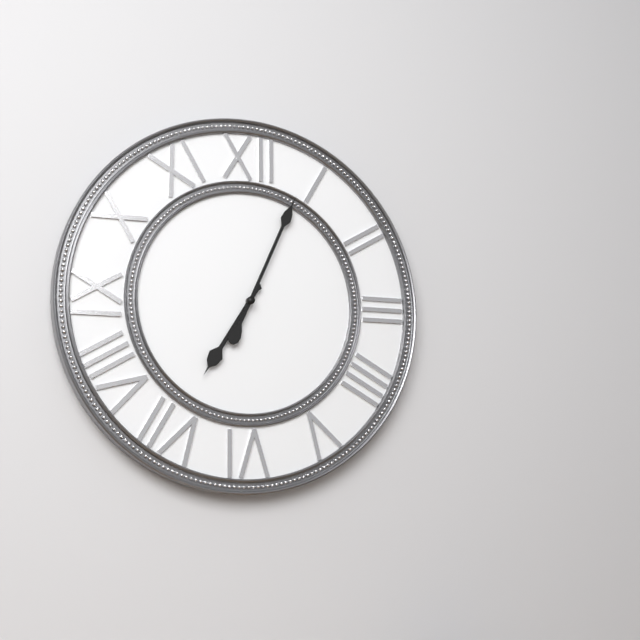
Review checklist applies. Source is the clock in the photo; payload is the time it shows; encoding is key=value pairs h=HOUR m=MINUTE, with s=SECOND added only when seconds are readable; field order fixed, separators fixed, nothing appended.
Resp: h=7 m=4
